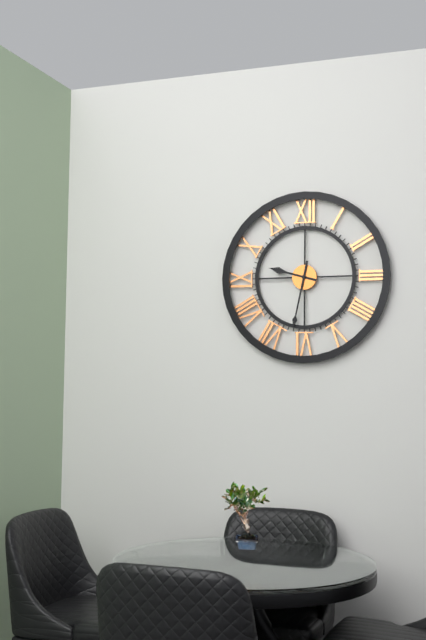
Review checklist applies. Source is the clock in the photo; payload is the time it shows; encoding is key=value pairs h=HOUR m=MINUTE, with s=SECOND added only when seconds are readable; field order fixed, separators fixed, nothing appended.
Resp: h=9 m=32
